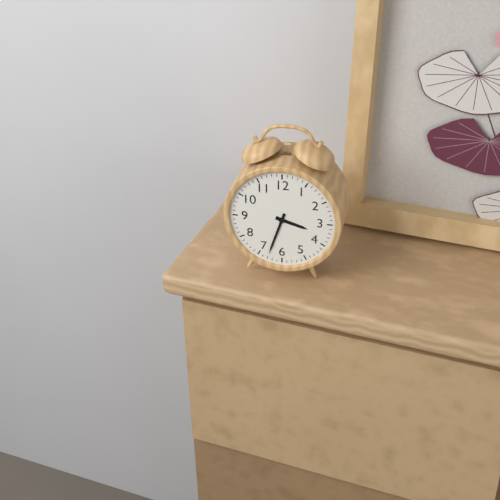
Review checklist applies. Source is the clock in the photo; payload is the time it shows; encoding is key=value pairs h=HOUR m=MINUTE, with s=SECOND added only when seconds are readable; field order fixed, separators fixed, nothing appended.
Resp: h=3 m=33
